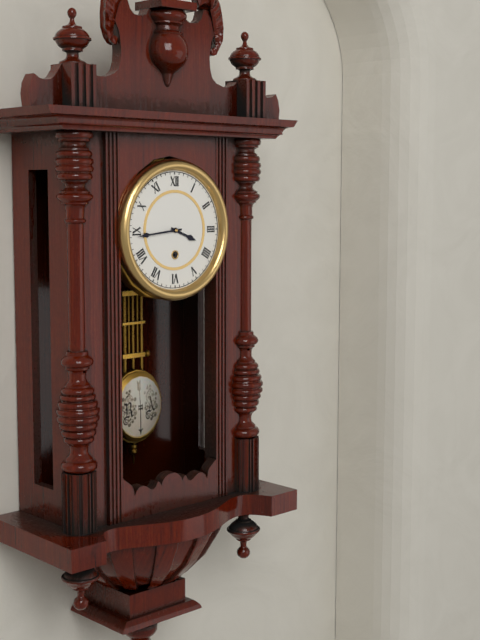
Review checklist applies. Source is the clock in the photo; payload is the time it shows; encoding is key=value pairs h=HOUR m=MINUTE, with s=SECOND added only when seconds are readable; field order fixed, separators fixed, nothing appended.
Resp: h=3 m=44
